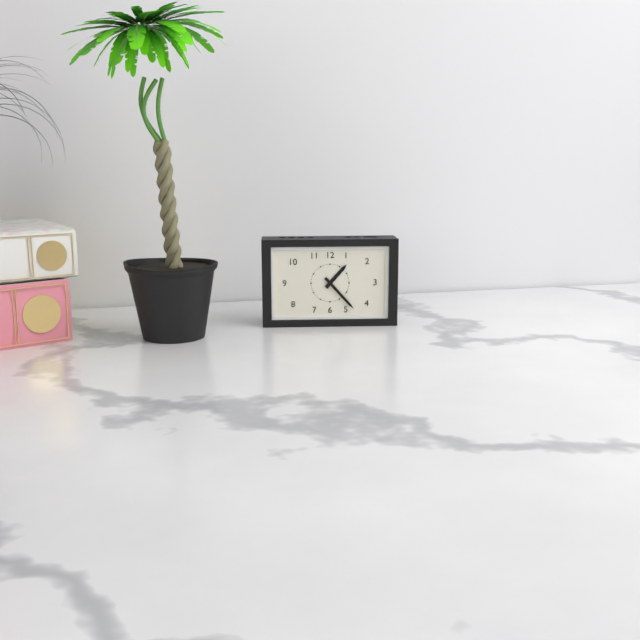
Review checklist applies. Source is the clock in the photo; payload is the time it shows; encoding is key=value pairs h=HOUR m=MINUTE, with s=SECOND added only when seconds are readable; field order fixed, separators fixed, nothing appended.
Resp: h=1 m=23
